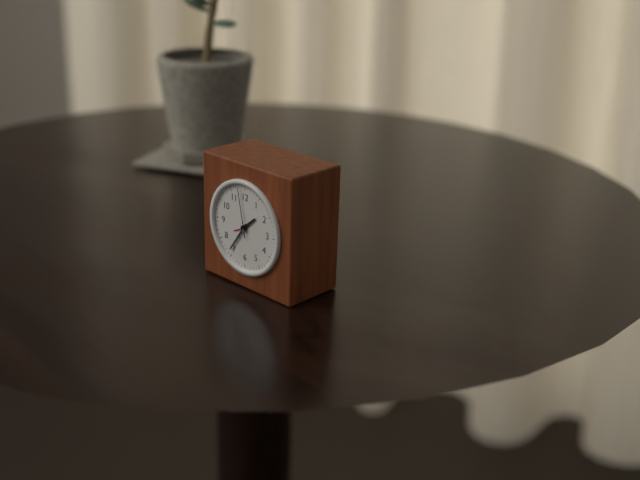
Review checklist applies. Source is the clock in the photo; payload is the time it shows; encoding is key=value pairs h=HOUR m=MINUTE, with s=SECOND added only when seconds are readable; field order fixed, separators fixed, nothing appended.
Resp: h=1 m=36 s=58
